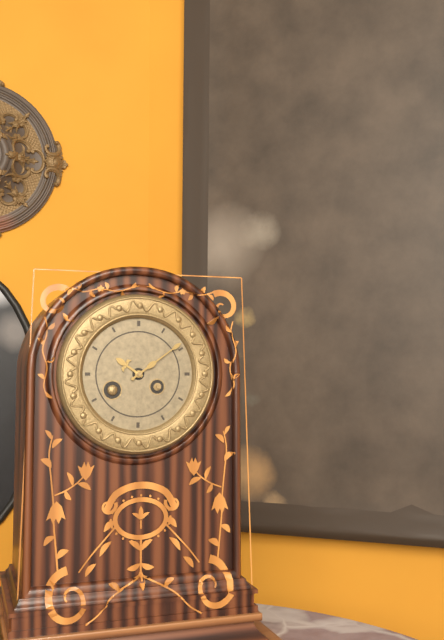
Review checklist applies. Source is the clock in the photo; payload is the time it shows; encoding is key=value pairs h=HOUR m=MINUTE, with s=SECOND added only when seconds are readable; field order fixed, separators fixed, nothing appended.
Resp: h=10 m=9
